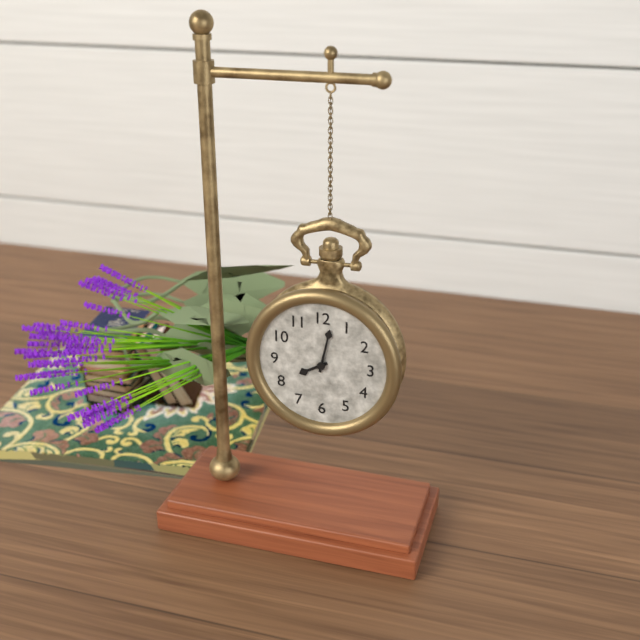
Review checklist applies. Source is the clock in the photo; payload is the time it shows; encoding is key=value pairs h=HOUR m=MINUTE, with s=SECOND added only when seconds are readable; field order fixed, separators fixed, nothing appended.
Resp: h=8 m=2
